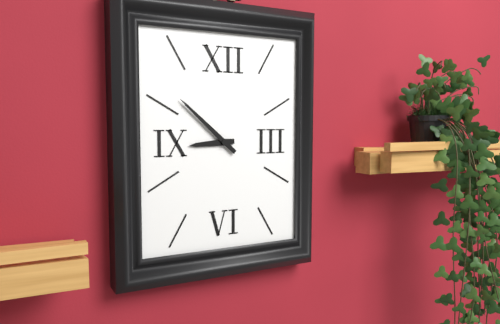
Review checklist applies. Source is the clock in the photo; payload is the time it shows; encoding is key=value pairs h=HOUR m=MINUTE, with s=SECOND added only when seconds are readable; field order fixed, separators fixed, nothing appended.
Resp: h=8 m=52
